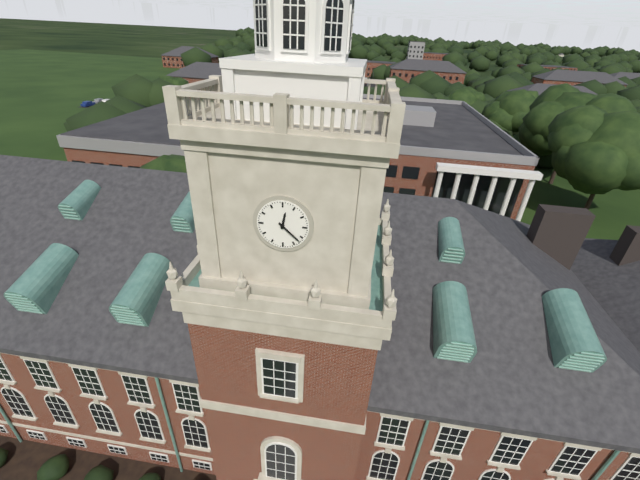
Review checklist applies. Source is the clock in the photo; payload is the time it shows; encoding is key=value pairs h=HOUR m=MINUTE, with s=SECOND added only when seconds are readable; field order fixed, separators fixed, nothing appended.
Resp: h=12 m=22
